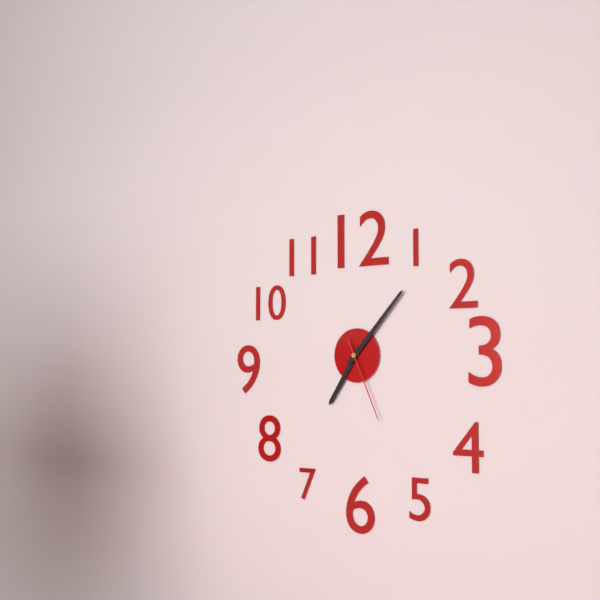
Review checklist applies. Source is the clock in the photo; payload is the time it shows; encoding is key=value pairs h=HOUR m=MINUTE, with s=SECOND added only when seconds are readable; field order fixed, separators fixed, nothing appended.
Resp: h=7 m=7 s=26
